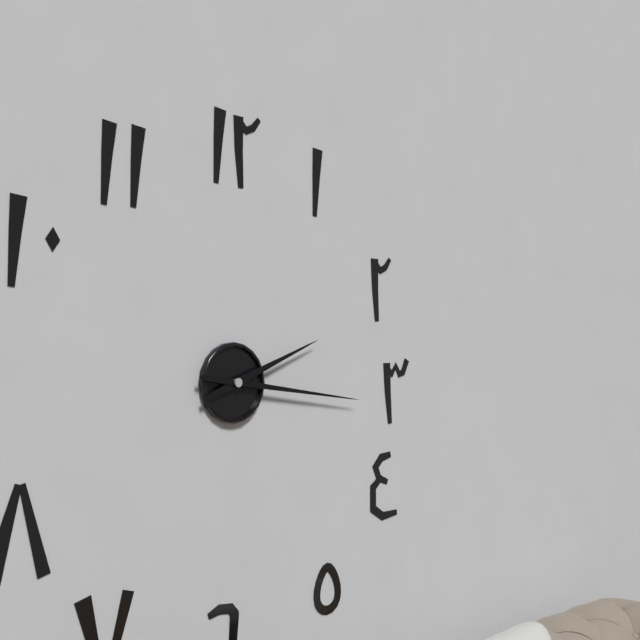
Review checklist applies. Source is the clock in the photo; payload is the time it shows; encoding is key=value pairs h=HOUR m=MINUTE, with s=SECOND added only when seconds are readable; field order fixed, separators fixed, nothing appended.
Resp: h=2 m=16
